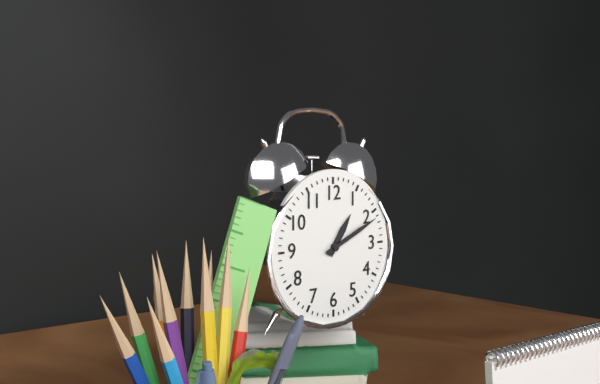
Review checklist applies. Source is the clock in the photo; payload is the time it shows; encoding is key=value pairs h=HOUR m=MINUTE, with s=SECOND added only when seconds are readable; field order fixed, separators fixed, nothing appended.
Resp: h=1 m=11
